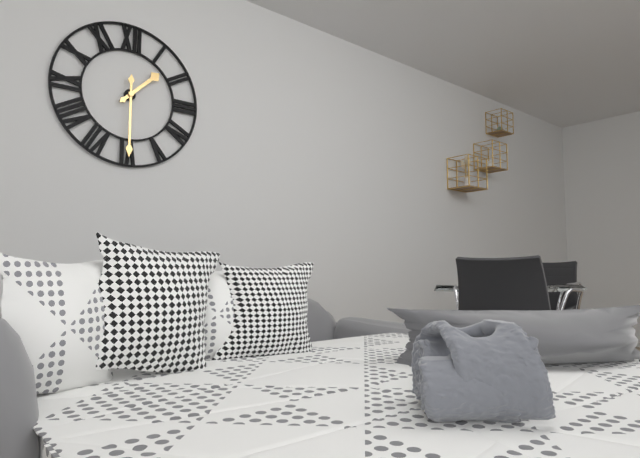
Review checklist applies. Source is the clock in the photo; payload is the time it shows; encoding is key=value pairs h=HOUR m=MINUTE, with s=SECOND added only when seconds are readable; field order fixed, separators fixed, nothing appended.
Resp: h=1 m=30
